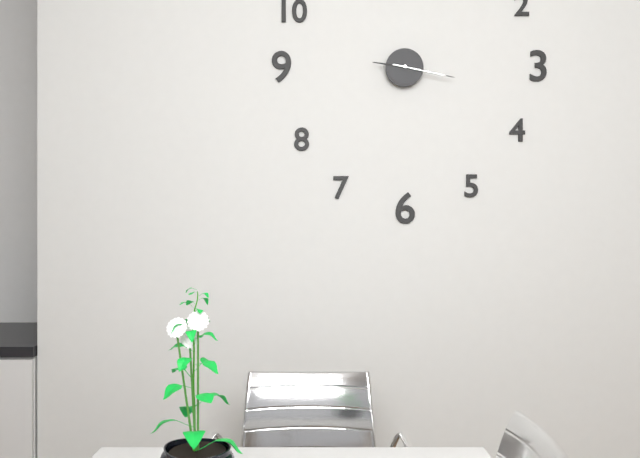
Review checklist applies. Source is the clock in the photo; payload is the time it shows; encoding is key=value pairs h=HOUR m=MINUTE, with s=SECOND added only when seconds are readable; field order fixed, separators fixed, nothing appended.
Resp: h=9 m=17 s=17
